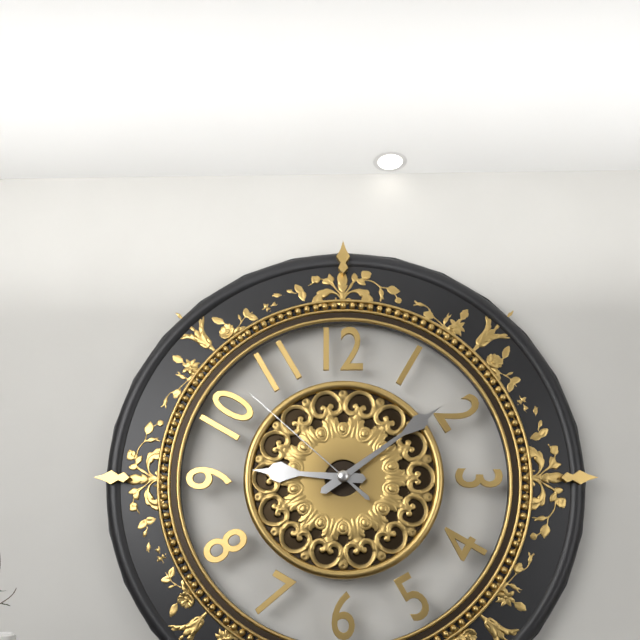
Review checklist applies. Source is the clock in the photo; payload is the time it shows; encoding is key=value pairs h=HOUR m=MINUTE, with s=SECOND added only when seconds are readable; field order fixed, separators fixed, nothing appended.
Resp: h=9 m=9 s=52
